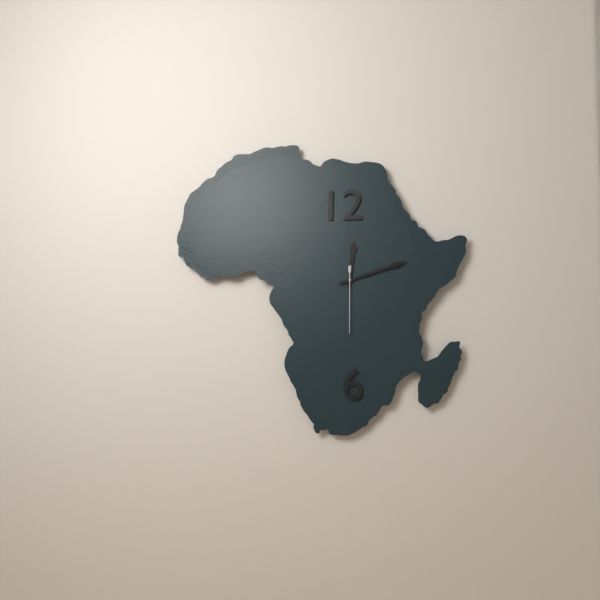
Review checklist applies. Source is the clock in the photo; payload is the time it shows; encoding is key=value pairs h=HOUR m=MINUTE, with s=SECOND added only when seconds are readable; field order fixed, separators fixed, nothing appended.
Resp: h=12 m=12 s=30
